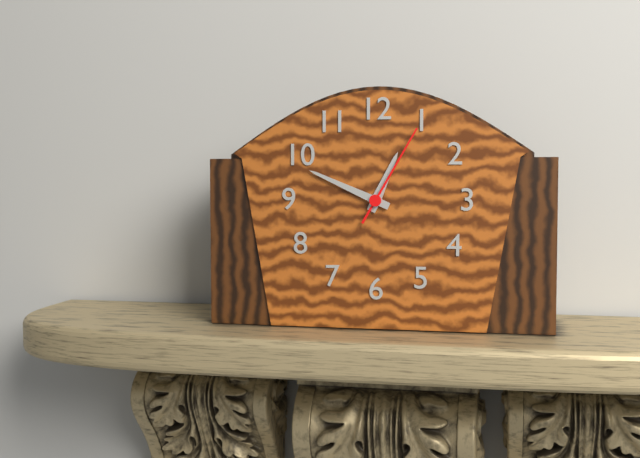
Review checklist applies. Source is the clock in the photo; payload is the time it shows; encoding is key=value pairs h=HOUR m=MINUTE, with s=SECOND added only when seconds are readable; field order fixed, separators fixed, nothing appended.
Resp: h=12 m=49 s=5
